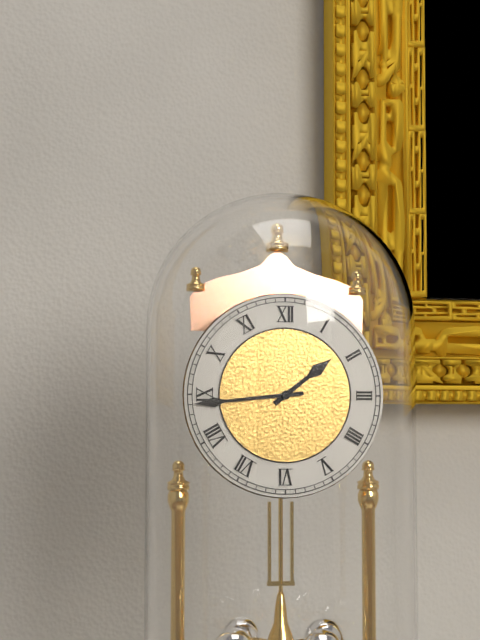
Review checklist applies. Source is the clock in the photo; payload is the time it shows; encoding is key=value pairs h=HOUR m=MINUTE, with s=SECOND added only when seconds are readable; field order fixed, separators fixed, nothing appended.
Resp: h=1 m=44
